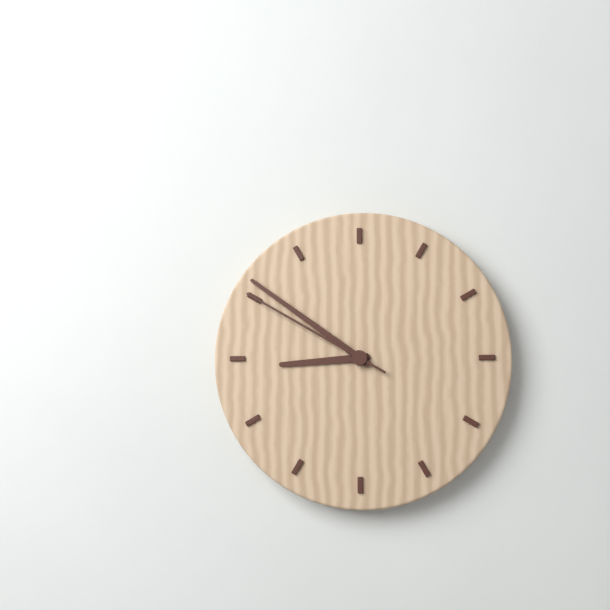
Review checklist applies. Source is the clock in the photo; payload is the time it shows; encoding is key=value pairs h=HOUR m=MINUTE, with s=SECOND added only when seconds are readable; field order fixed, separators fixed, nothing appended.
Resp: h=8 m=51 s=50
